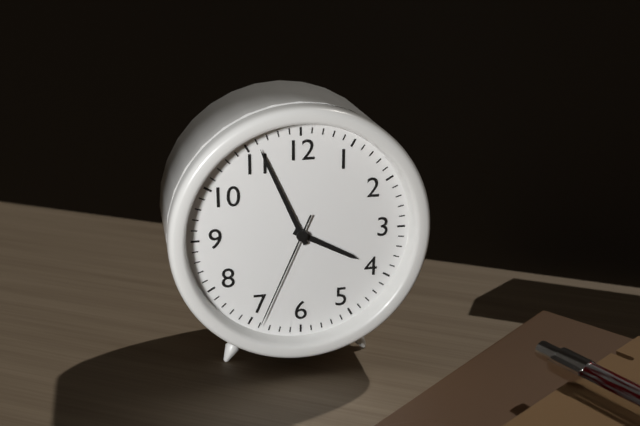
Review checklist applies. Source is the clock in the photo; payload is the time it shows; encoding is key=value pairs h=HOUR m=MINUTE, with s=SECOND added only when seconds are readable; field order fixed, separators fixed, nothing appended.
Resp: h=3 m=56 s=34
